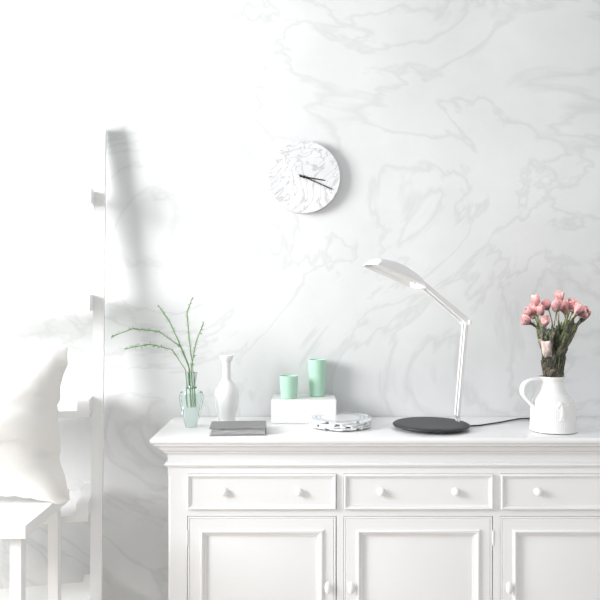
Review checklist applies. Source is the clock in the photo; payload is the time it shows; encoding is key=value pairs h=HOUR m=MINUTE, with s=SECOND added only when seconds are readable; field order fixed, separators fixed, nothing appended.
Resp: h=3 m=19
